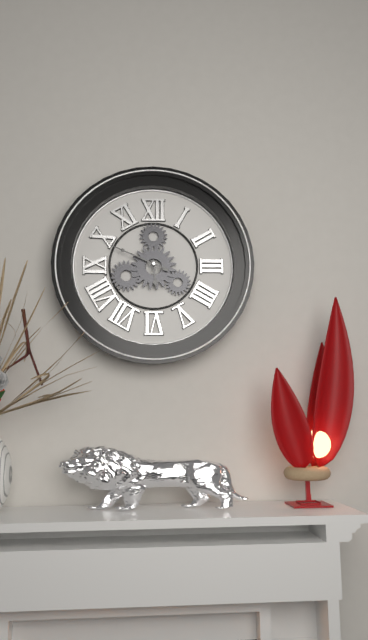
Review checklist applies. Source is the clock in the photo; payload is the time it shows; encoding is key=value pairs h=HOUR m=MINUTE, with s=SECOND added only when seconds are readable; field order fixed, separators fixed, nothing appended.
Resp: h=5 m=49
